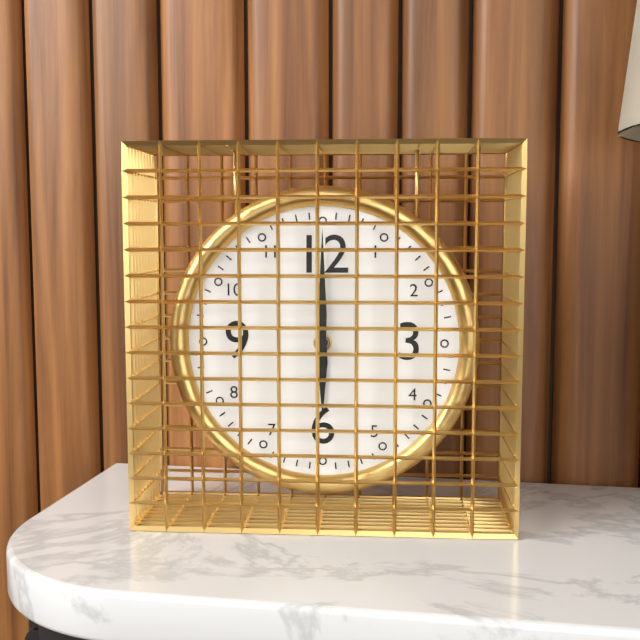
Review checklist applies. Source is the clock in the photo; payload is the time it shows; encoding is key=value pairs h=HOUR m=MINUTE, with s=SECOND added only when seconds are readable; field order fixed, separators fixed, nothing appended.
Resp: h=6 m=0
